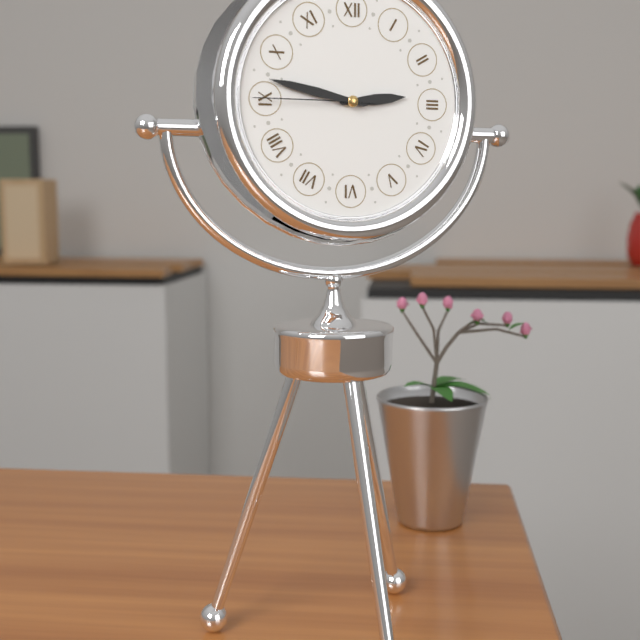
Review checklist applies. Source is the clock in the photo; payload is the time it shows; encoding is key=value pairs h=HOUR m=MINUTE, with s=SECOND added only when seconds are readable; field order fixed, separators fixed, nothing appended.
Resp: h=2 m=47 s=45
